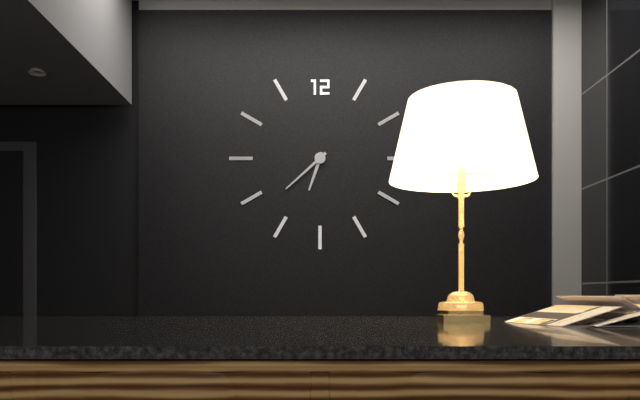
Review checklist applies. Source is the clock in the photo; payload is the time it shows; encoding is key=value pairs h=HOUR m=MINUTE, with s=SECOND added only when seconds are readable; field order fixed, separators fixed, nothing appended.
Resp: h=6 m=38
